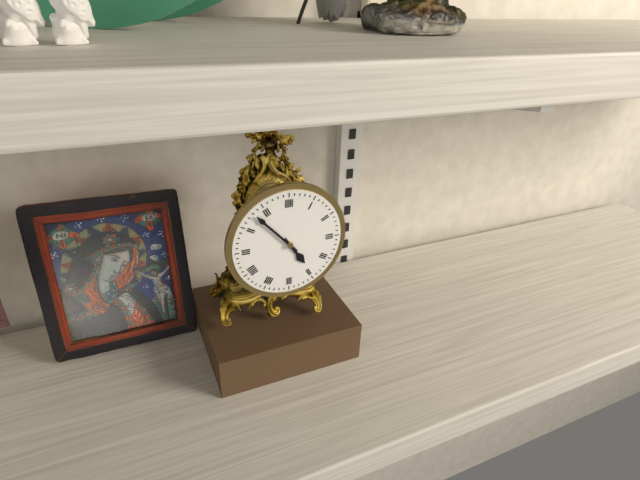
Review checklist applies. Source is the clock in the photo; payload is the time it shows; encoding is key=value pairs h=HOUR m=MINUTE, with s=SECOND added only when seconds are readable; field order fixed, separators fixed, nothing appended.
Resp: h=4 m=53
